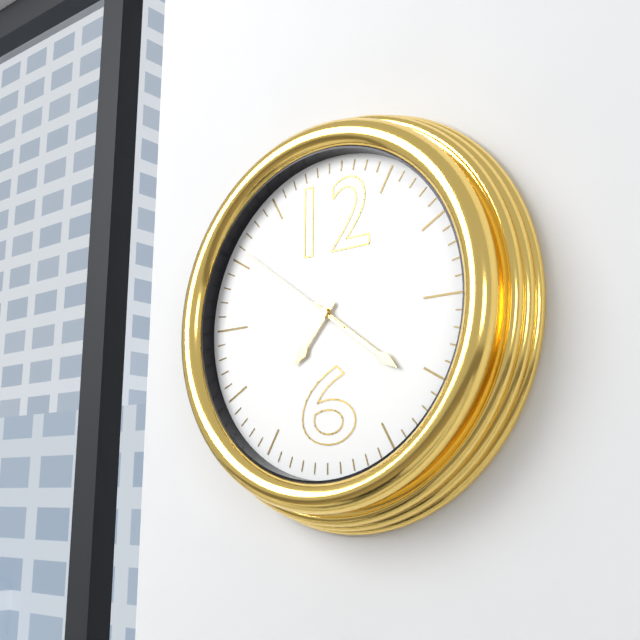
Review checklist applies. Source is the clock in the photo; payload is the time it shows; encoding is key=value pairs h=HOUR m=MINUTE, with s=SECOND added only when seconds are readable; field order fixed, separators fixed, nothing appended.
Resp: h=7 m=21 s=51
